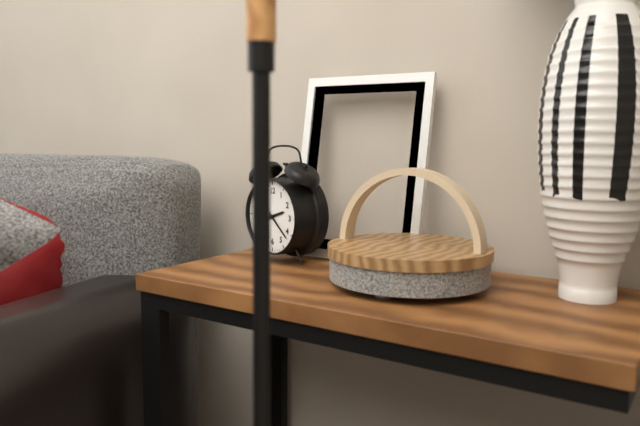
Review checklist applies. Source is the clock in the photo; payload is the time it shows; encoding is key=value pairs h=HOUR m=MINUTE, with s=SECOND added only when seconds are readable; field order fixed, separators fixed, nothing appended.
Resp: h=2 m=22
